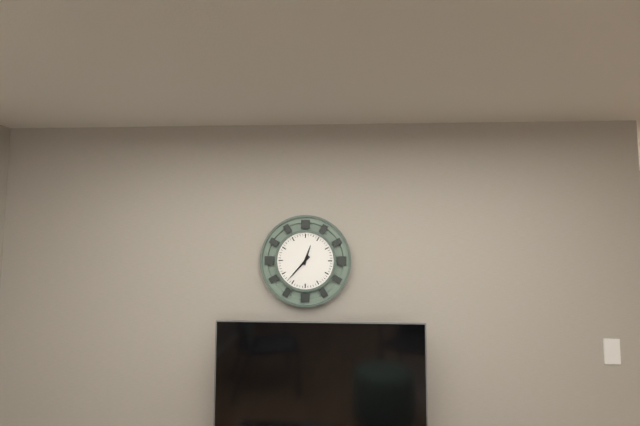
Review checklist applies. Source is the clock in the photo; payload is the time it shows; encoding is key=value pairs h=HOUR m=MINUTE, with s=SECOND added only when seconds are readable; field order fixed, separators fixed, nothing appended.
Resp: h=12 m=37
